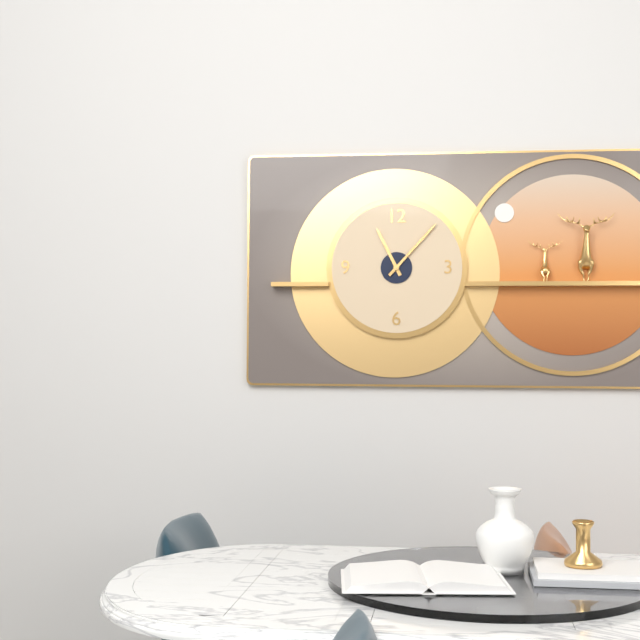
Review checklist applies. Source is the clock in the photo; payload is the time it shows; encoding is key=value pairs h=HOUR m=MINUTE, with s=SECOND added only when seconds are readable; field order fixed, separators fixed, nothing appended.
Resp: h=11 m=7
